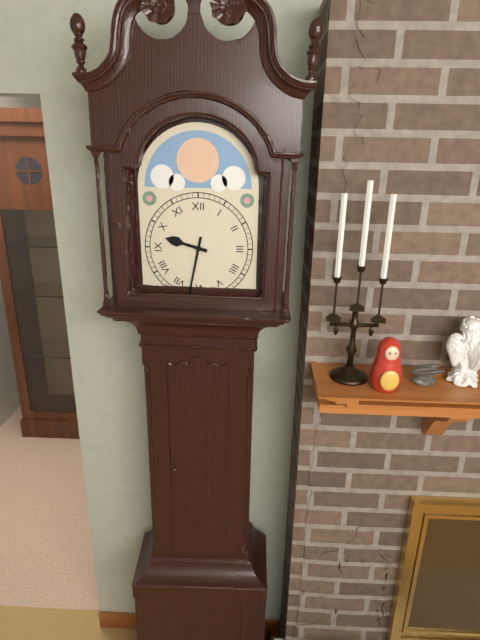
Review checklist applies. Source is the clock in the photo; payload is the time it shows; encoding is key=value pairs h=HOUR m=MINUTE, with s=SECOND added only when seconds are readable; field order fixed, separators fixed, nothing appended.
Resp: h=9 m=32
